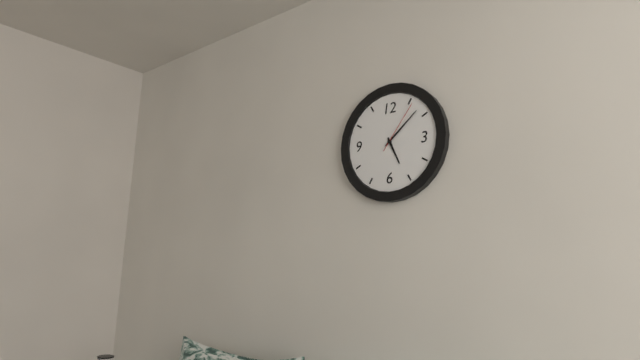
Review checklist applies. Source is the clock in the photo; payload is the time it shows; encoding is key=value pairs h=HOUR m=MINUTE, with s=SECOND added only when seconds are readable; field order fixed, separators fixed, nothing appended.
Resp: h=5 m=8 s=6
